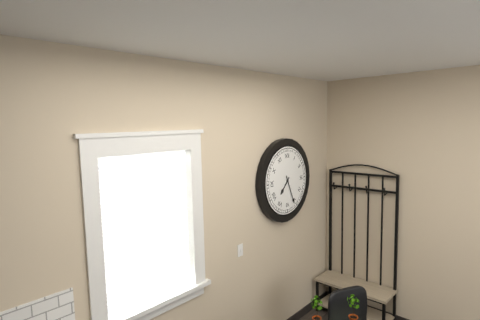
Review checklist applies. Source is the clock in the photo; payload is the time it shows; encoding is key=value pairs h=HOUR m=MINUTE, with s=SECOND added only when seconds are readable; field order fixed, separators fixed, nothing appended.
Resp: h=7 m=26
